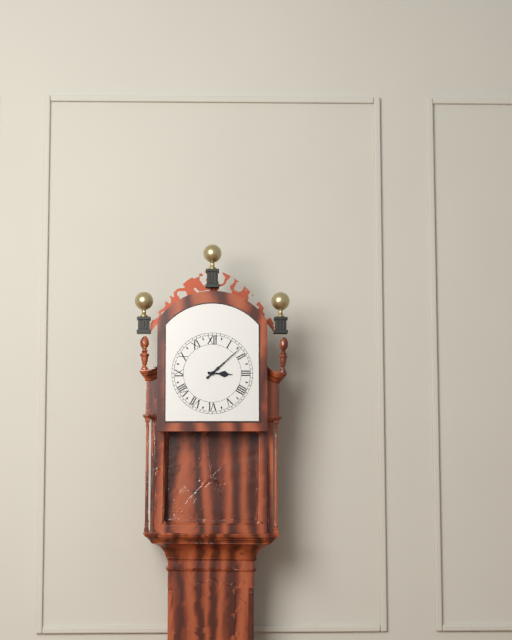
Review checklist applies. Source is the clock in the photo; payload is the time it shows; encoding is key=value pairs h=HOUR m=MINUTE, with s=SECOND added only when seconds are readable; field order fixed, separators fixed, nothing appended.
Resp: h=3 m=8
